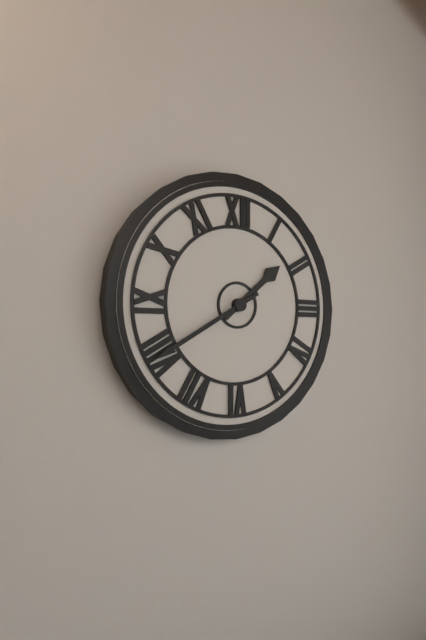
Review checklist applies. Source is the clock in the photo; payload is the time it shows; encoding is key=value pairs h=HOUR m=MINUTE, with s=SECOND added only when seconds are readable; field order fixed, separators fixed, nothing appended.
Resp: h=1 m=40
